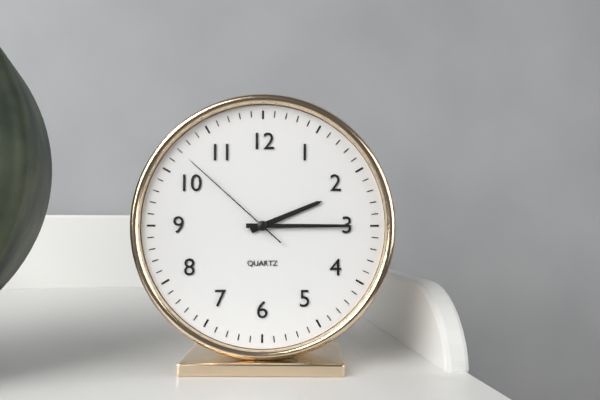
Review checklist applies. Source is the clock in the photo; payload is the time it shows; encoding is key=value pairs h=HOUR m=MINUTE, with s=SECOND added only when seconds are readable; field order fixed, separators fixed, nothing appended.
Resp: h=2 m=15 s=52
